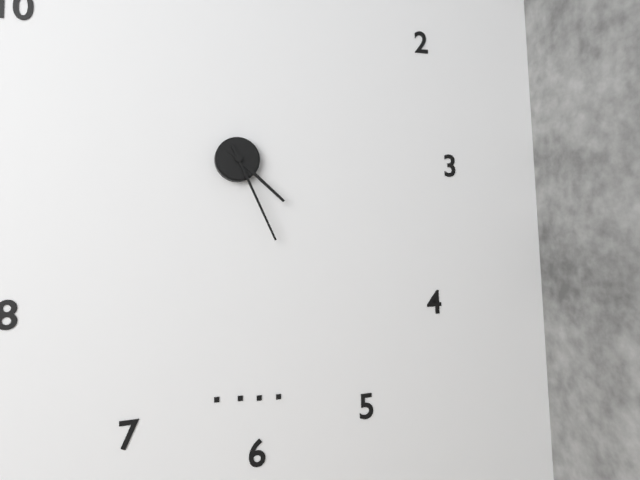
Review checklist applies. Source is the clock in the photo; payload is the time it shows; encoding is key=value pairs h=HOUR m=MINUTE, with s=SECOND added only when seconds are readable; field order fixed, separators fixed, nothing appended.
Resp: h=4 m=26
